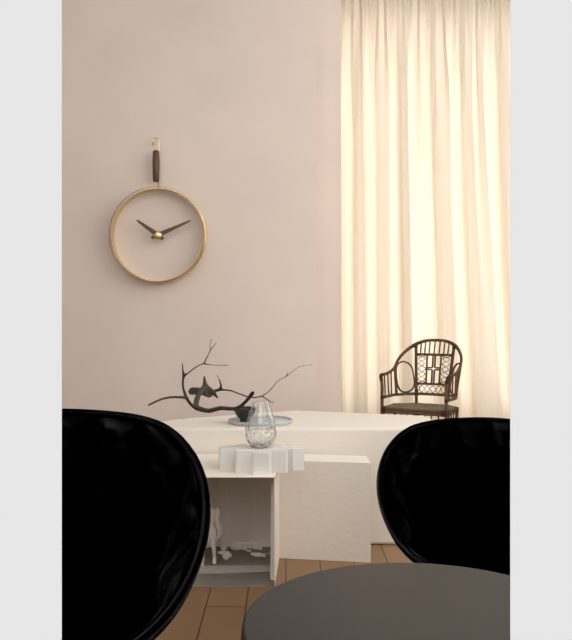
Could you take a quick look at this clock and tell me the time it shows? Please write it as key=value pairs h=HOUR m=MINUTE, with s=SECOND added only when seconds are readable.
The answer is h=10 m=11
